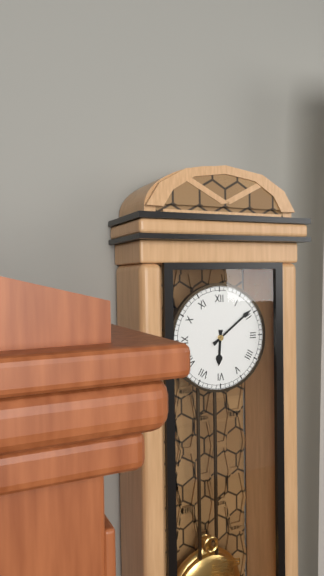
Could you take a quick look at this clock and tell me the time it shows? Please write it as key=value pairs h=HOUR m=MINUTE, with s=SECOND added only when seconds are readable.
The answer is h=6 m=9
